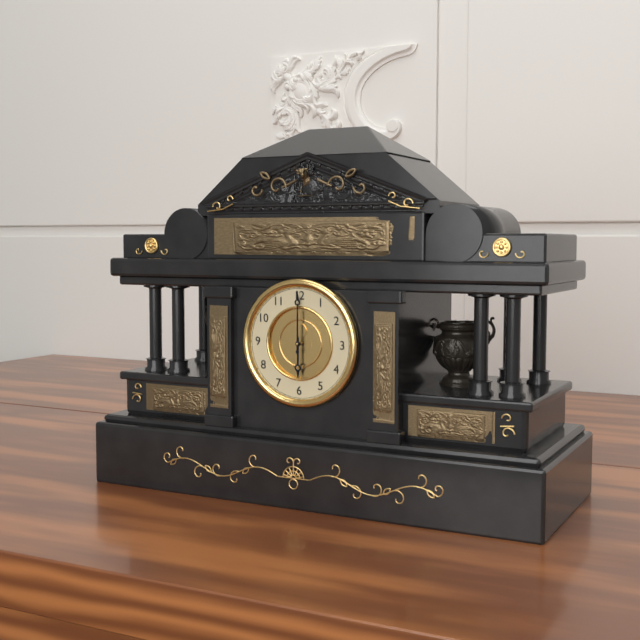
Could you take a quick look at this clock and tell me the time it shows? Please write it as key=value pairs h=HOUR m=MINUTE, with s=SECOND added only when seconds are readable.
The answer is h=6 m=0
